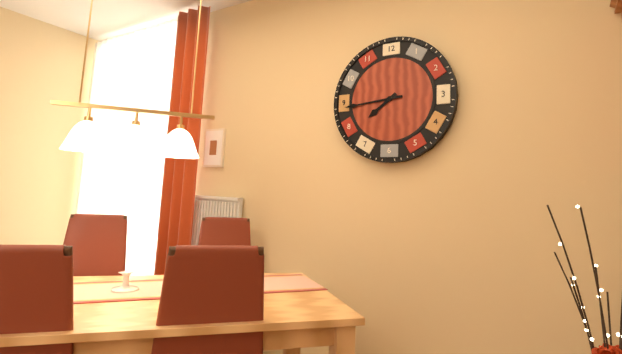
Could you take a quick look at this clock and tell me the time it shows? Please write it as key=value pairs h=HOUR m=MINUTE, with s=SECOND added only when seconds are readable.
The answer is h=7 m=44
